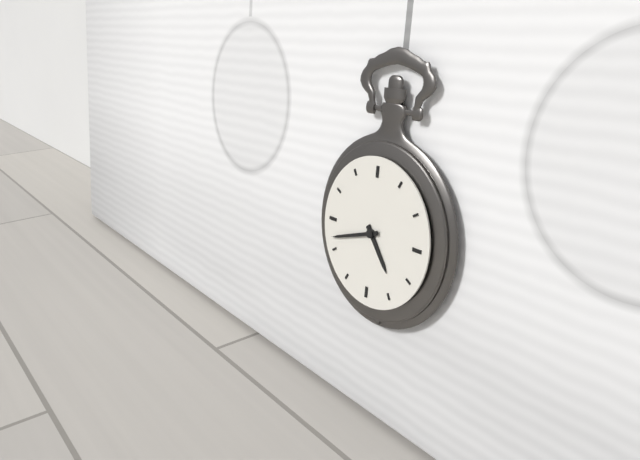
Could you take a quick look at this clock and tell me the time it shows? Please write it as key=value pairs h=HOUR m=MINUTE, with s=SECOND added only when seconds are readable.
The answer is h=4 m=42
